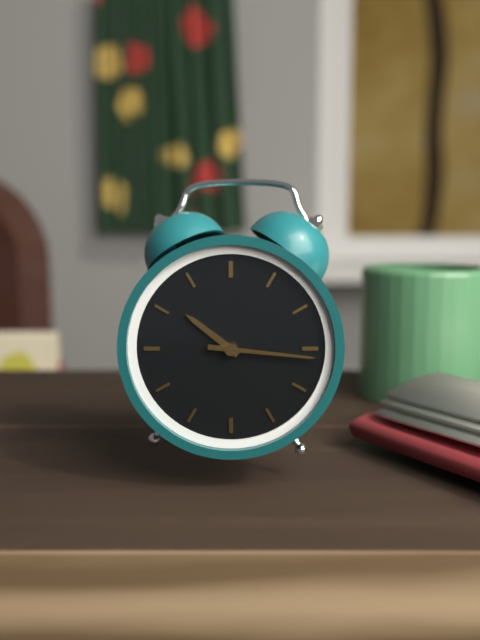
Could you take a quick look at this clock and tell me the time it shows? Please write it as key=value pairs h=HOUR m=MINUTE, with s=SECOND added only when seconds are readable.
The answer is h=10 m=16
